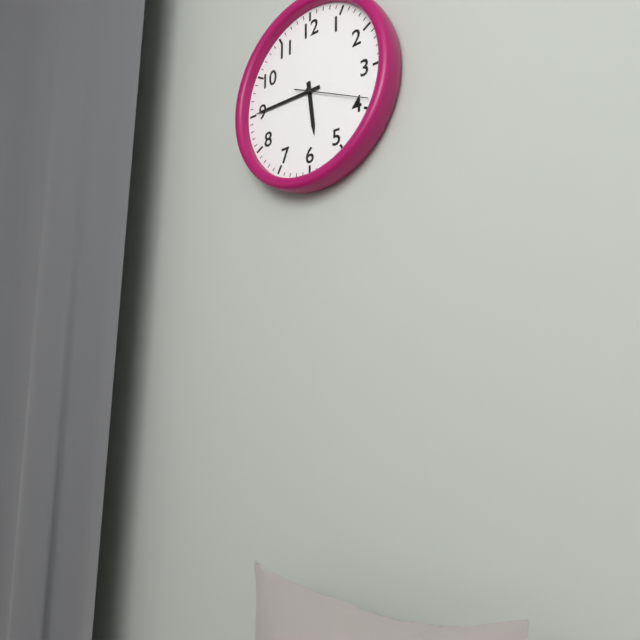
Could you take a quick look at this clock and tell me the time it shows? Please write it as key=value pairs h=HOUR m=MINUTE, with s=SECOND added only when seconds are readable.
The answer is h=5 m=45 s=19
